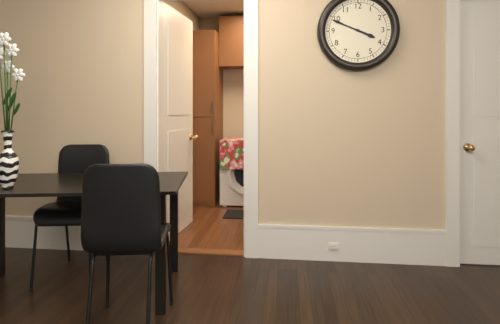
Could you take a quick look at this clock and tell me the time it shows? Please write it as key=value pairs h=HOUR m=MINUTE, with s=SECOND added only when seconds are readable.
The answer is h=3 m=49
